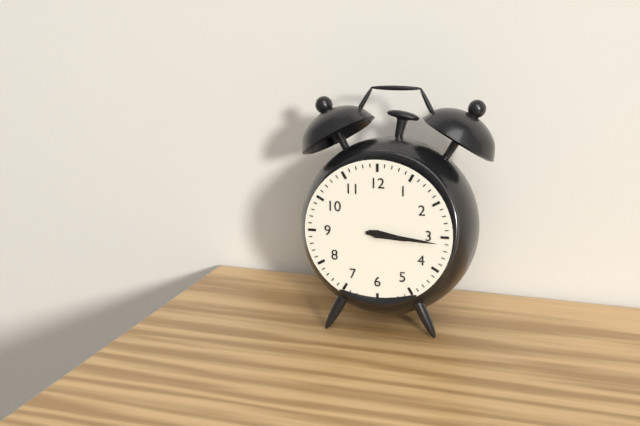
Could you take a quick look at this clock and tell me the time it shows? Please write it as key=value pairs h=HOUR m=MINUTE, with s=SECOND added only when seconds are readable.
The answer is h=3 m=16
